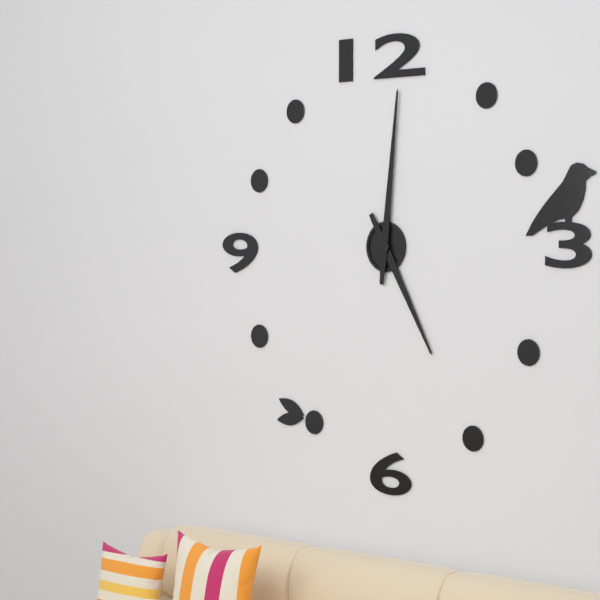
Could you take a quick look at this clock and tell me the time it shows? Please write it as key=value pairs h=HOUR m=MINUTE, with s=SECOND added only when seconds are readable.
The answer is h=5 m=1
